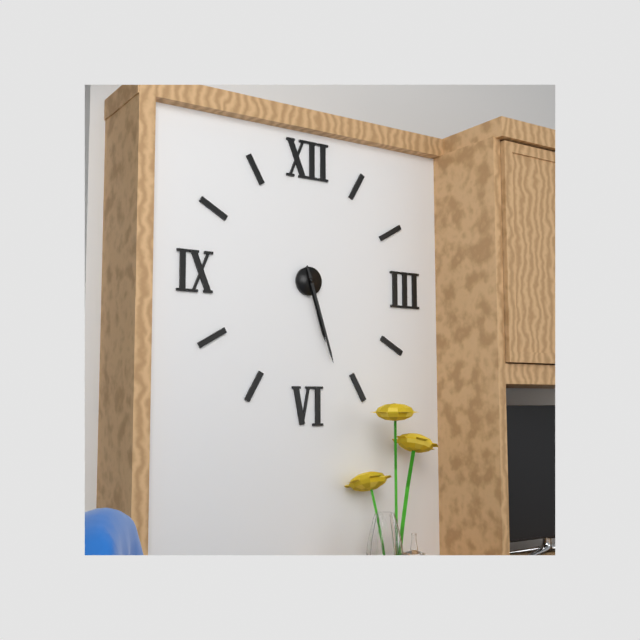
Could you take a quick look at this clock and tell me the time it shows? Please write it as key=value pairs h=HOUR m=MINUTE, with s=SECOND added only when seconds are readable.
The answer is h=5 m=27
